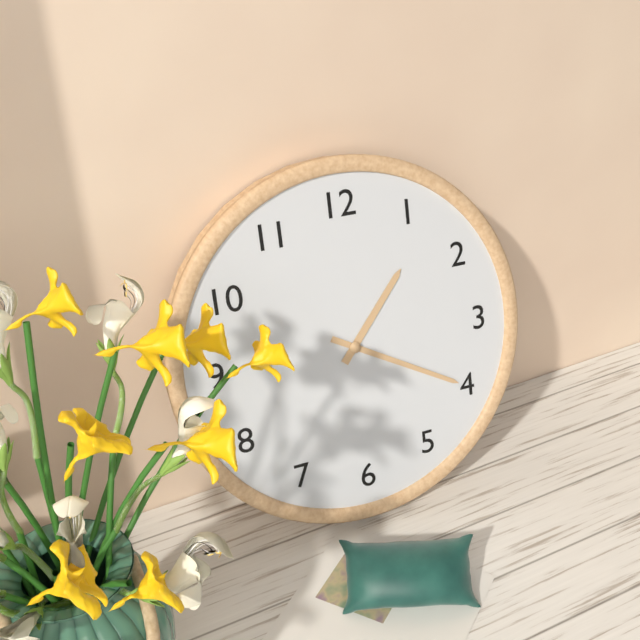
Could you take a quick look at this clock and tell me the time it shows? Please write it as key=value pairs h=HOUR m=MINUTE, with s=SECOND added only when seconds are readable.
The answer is h=1 m=20
